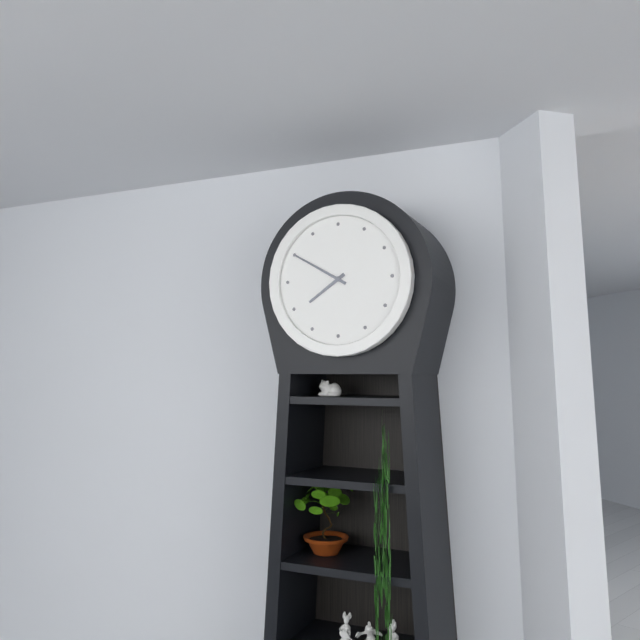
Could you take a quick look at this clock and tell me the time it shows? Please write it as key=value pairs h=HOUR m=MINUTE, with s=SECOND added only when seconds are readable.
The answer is h=7 m=50
